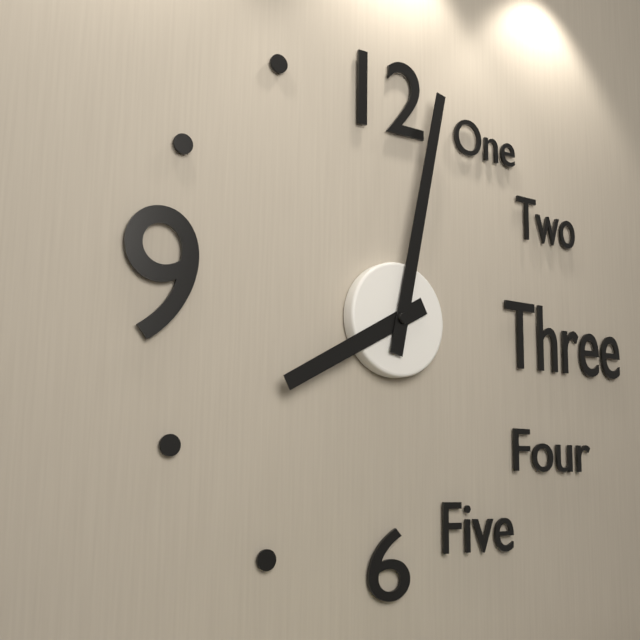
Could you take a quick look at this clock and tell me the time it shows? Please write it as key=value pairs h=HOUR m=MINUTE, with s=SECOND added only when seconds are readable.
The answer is h=8 m=2
